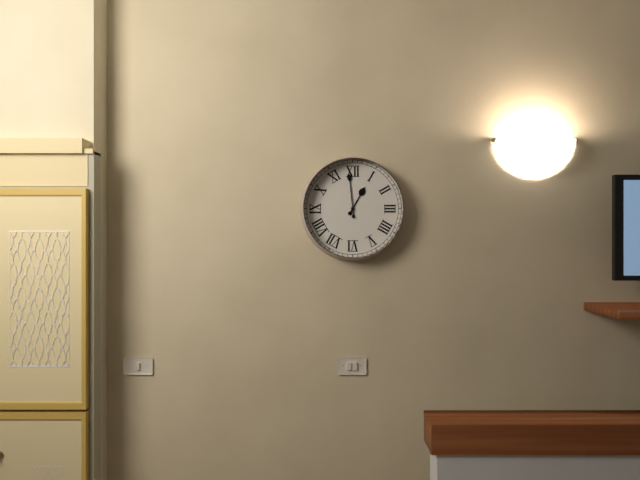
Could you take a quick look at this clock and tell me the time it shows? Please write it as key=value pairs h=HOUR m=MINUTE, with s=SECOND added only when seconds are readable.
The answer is h=12 m=59
